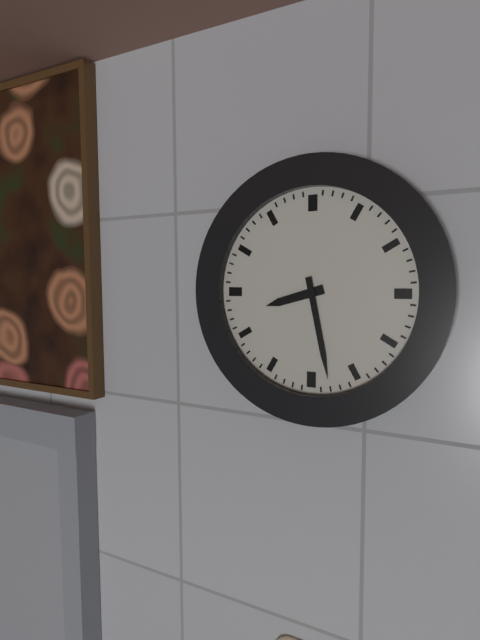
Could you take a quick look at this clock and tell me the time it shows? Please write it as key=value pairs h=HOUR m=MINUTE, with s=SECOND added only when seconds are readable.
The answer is h=8 m=28
